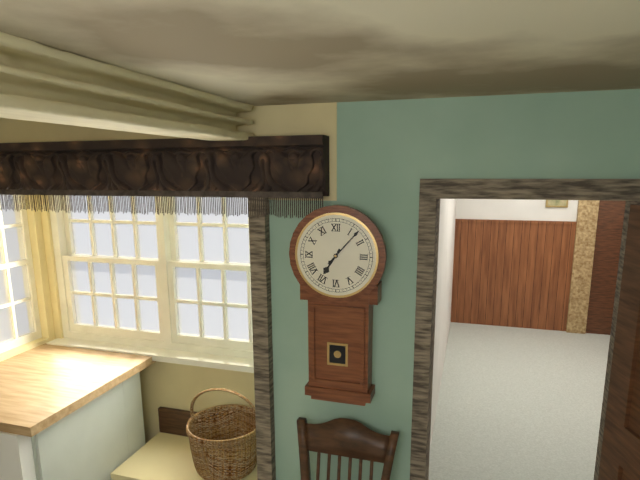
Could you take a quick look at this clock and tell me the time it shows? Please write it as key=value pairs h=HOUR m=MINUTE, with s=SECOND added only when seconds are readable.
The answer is h=7 m=7
